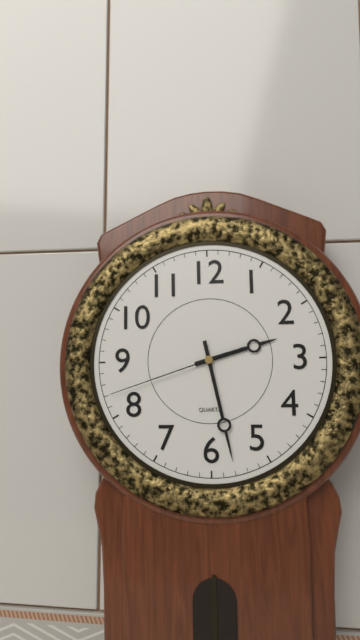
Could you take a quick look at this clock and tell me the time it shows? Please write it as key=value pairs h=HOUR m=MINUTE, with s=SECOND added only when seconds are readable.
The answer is h=2 m=28 s=42
